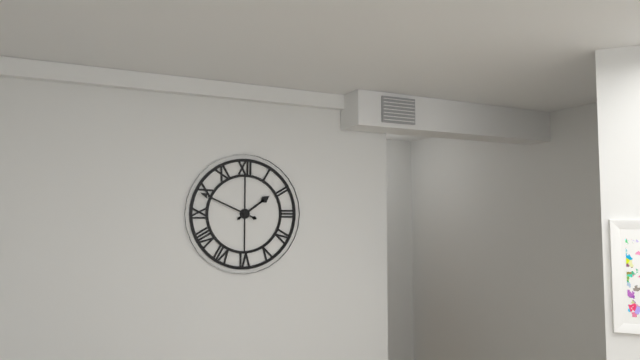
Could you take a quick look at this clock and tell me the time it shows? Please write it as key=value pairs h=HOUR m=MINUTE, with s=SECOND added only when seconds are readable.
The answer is h=1 m=49
